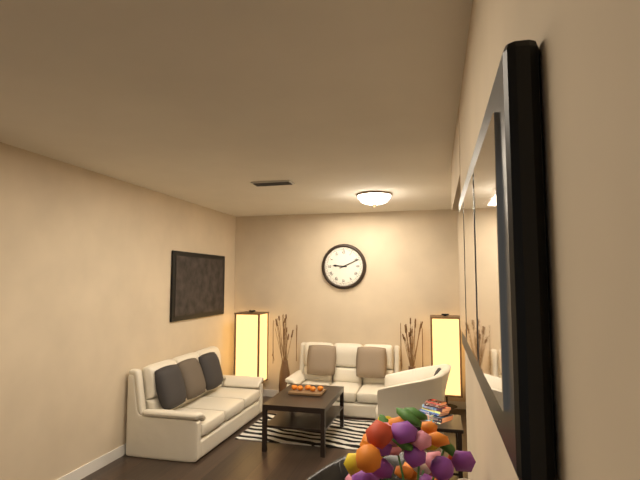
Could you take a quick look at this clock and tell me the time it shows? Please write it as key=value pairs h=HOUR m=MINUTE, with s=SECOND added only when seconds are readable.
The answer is h=9 m=11
